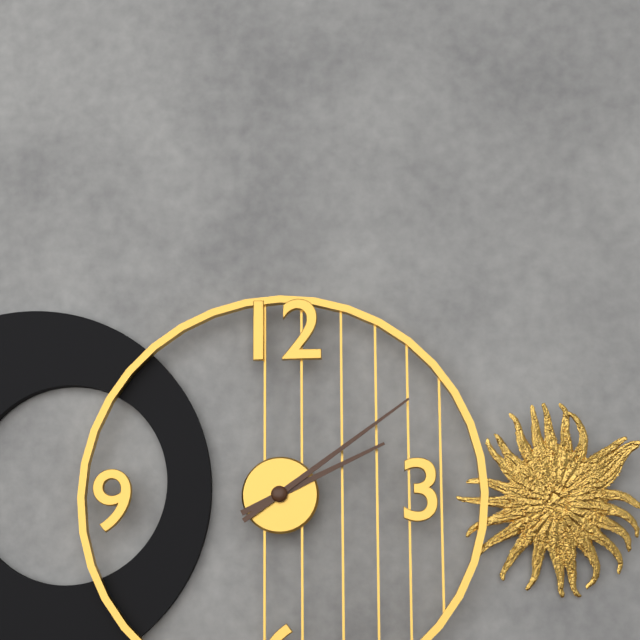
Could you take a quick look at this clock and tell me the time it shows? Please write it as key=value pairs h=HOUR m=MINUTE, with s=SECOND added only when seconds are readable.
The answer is h=2 m=9
